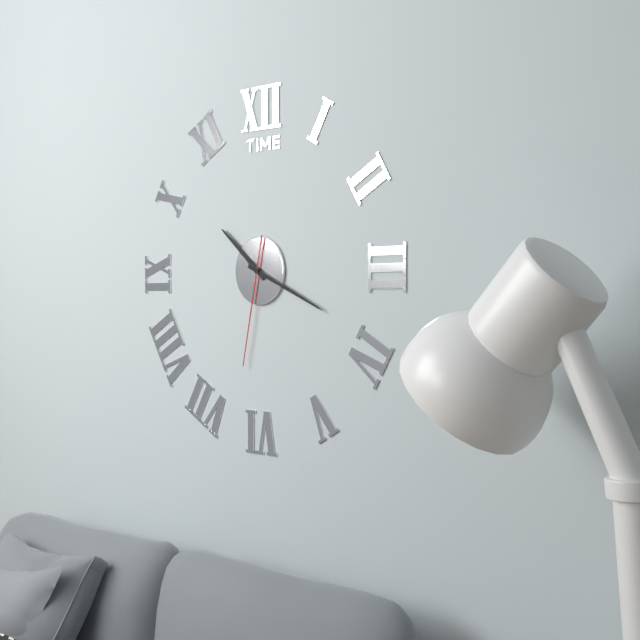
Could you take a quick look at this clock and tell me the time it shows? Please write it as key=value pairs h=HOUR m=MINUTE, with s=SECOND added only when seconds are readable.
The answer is h=10 m=19 s=32
